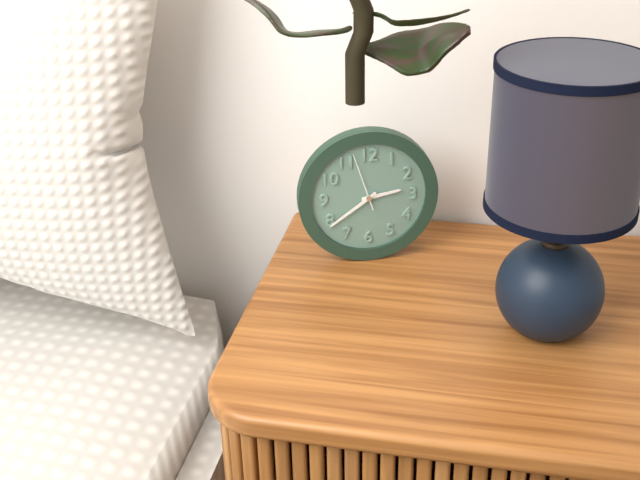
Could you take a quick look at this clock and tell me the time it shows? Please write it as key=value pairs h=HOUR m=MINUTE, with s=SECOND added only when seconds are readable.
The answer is h=2 m=39
